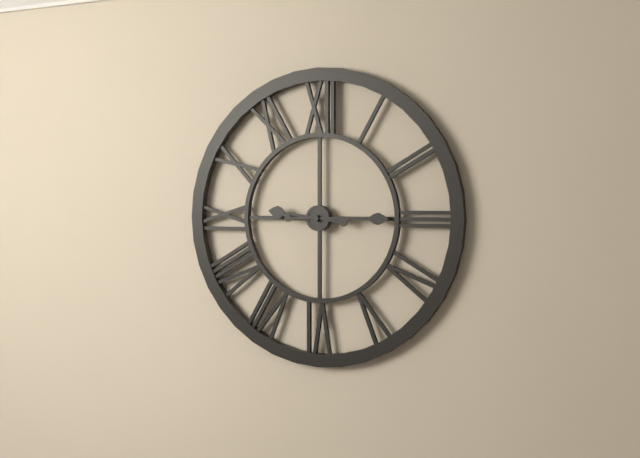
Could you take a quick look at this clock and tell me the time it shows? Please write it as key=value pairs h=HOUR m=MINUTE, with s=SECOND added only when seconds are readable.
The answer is h=9 m=15
